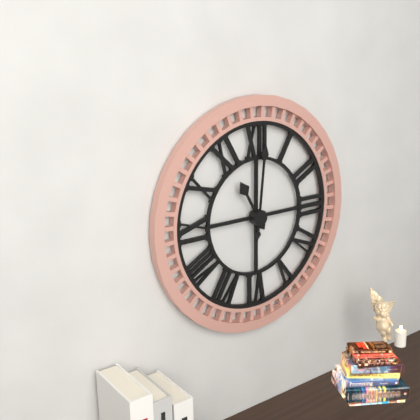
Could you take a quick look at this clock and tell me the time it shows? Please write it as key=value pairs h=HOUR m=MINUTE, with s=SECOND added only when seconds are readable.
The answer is h=11 m=1
